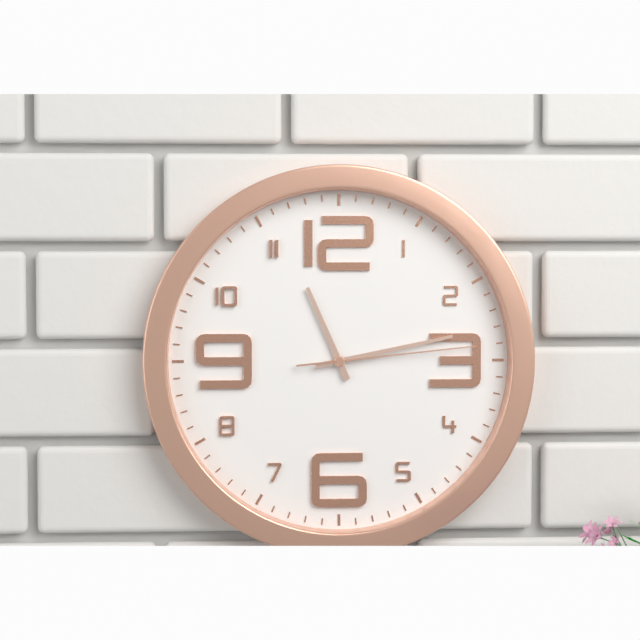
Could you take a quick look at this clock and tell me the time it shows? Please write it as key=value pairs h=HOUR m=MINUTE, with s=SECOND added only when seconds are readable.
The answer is h=11 m=13 s=14
